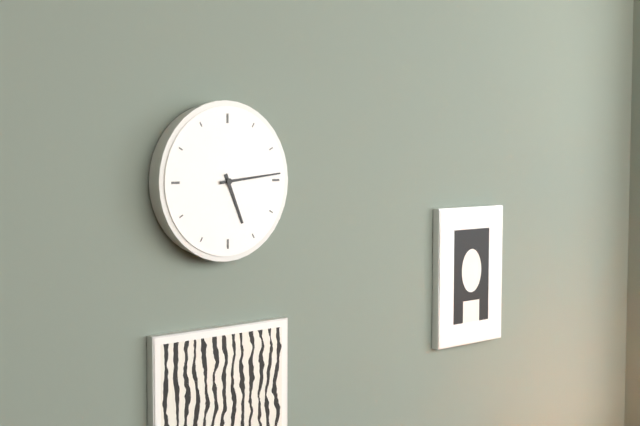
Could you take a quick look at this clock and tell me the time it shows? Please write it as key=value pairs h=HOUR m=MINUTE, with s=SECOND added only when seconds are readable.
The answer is h=5 m=14
